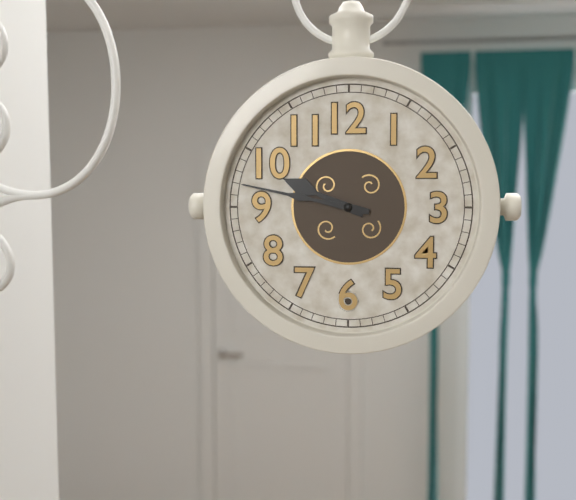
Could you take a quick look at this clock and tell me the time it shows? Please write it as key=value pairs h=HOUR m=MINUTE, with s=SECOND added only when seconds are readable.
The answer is h=9 m=47
